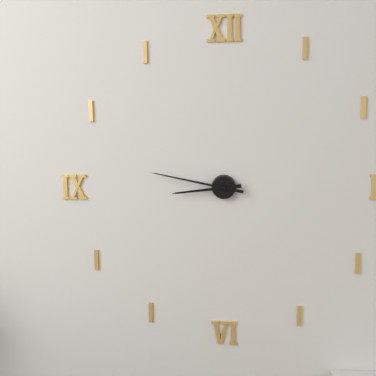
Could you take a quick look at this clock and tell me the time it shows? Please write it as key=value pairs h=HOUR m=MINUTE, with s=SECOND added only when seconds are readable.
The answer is h=8 m=47
